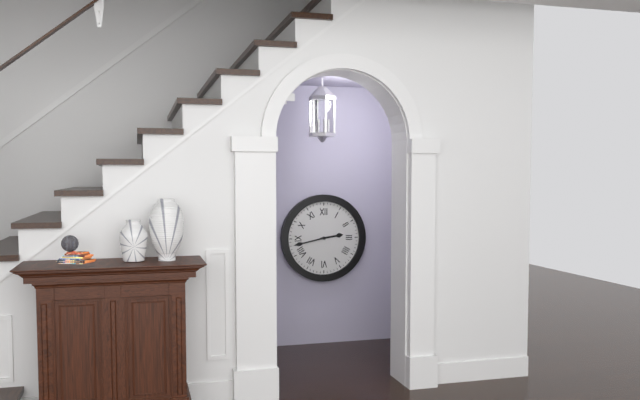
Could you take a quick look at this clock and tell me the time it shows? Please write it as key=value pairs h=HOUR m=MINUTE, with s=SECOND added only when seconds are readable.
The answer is h=2 m=43
